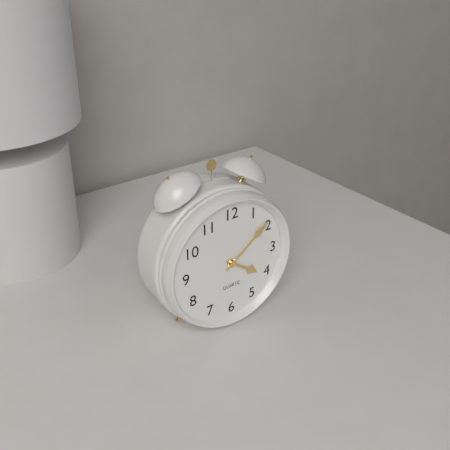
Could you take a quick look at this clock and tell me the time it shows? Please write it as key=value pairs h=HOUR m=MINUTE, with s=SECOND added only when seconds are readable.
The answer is h=4 m=9
